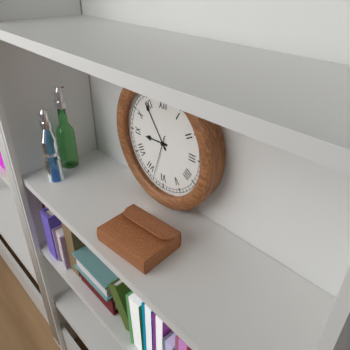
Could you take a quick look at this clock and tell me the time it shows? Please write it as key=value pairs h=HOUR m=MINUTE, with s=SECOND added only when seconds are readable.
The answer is h=8 m=54
